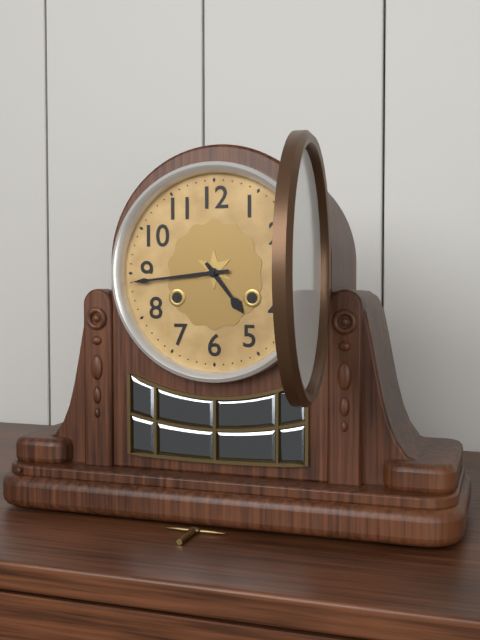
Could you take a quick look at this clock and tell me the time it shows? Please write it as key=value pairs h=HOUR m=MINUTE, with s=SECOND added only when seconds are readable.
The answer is h=4 m=44
